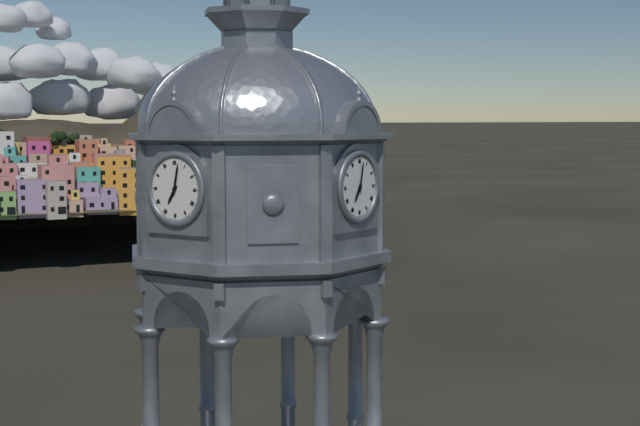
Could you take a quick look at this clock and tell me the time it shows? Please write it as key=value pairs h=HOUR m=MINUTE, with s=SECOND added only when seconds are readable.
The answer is h=7 m=2
